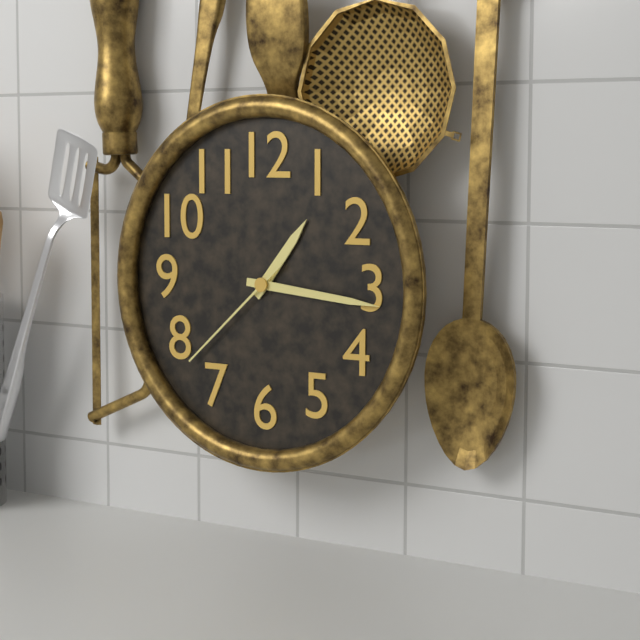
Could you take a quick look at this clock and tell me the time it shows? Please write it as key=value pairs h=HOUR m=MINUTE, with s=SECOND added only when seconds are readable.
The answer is h=1 m=16 s=38
